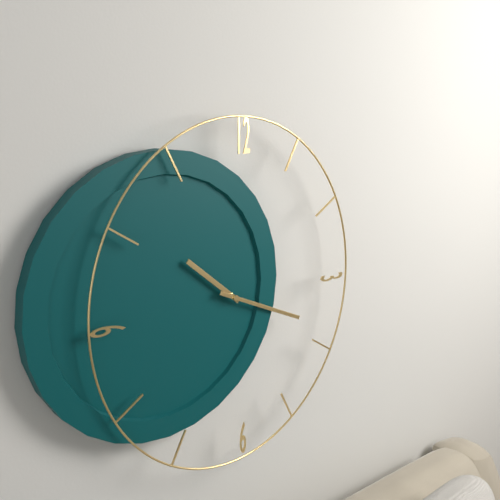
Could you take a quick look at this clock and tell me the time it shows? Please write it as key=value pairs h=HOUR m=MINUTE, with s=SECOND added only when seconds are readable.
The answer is h=10 m=19
